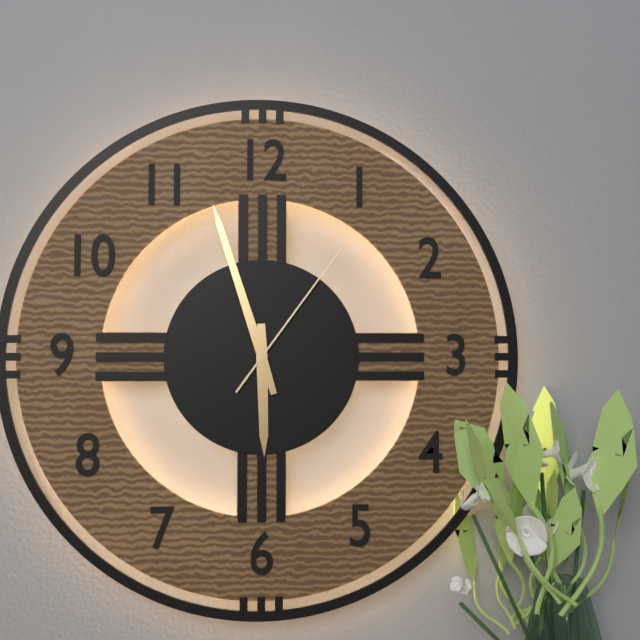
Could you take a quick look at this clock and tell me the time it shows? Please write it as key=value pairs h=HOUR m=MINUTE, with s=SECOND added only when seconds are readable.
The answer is h=5 m=57 s=6
